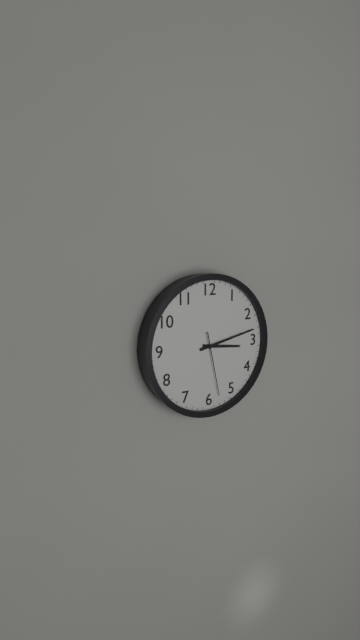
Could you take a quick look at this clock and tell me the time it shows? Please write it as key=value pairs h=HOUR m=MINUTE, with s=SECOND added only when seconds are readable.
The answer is h=3 m=13 s=28
